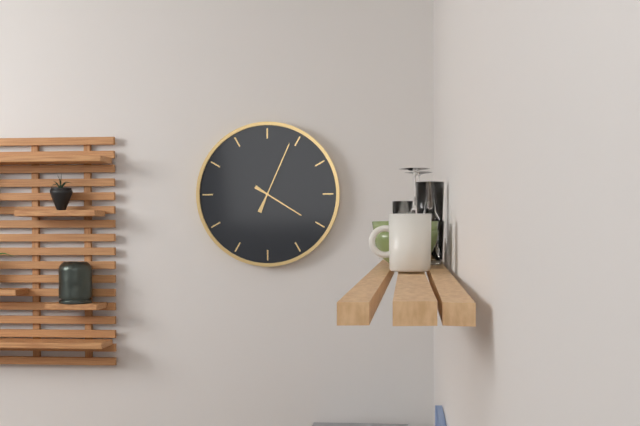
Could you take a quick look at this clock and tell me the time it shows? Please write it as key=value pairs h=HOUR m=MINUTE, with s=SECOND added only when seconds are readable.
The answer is h=4 m=4
